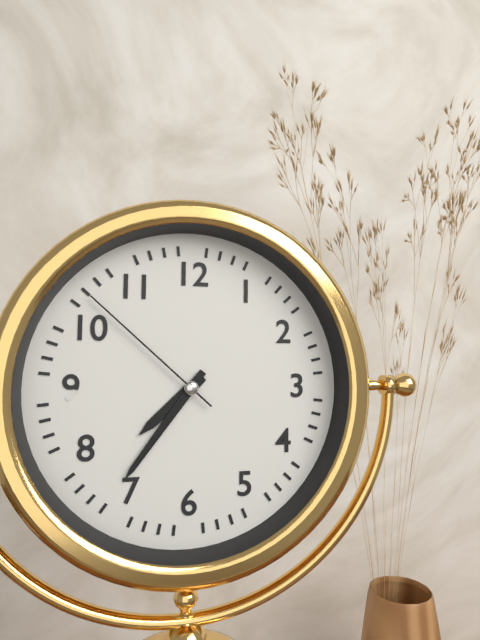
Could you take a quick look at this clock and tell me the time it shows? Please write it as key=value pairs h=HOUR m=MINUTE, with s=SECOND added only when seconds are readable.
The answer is h=7 m=36 s=52
